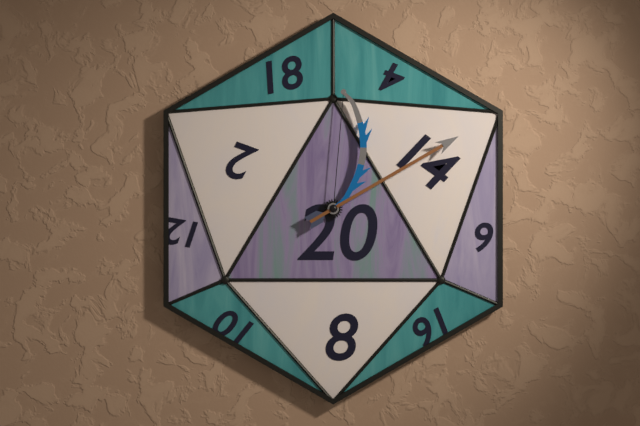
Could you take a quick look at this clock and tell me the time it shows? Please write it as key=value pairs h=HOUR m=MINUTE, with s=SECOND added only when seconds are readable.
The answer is h=12 m=10
